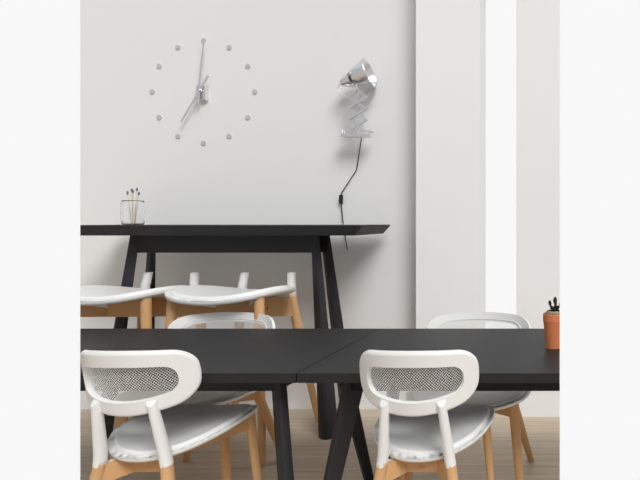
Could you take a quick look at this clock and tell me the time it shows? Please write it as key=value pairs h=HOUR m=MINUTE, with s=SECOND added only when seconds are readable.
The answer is h=7 m=1
